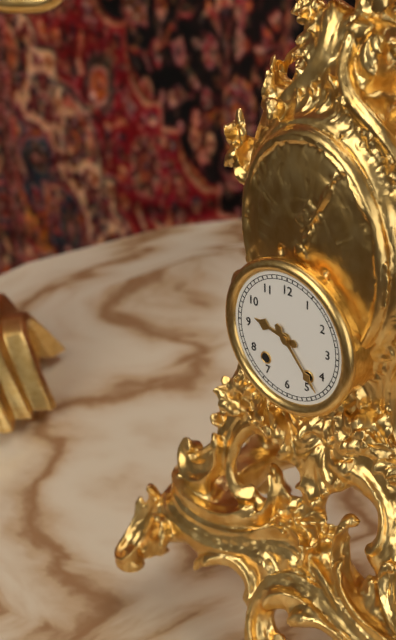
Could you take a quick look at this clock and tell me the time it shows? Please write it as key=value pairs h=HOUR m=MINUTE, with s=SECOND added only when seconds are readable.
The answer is h=9 m=23
